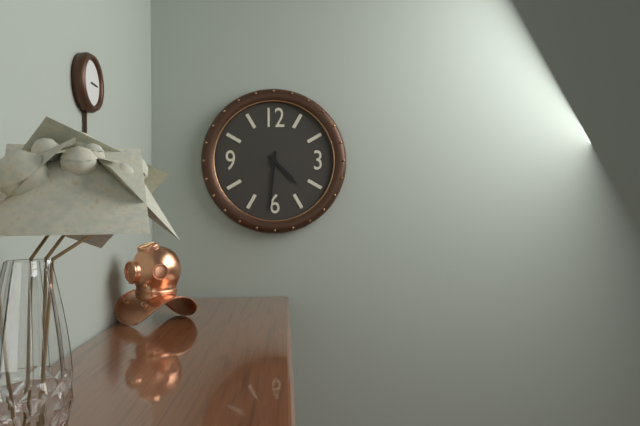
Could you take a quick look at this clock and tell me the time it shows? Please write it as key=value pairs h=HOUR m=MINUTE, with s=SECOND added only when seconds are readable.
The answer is h=4 m=31
